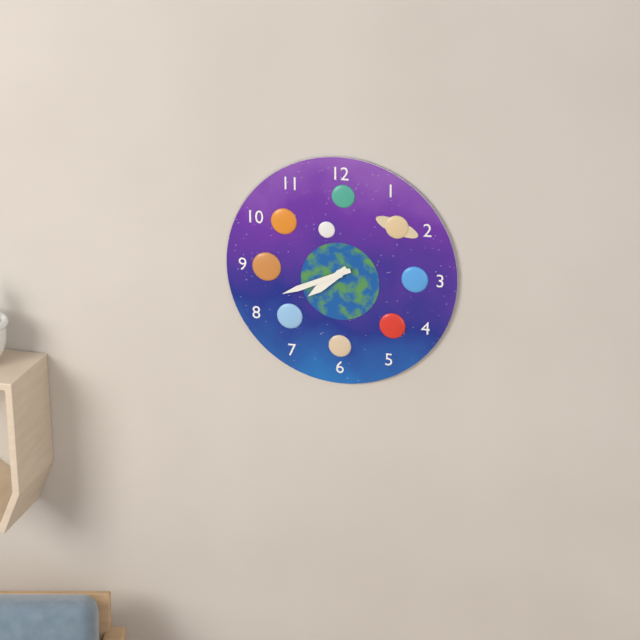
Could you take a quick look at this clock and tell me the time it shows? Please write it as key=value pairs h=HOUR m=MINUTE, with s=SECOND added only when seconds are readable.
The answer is h=7 m=41
